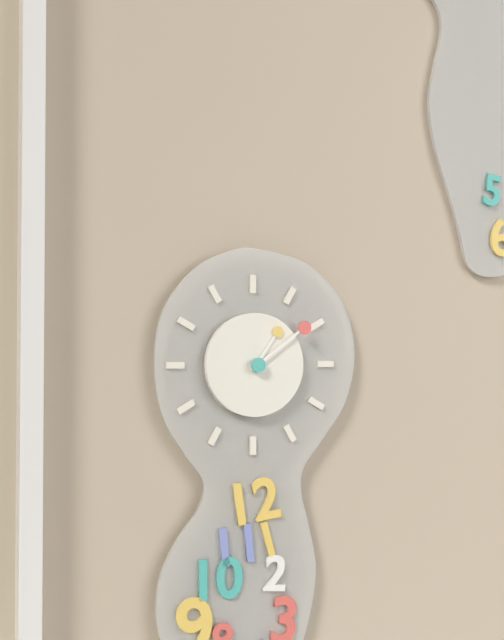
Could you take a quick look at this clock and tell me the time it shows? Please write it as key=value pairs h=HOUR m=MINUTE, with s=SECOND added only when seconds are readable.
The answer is h=1 m=9
